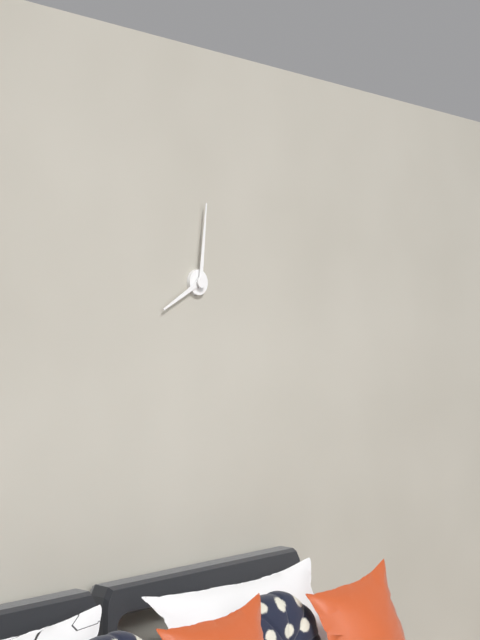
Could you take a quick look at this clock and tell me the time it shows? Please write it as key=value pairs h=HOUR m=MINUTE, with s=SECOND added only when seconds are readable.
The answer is h=8 m=1
